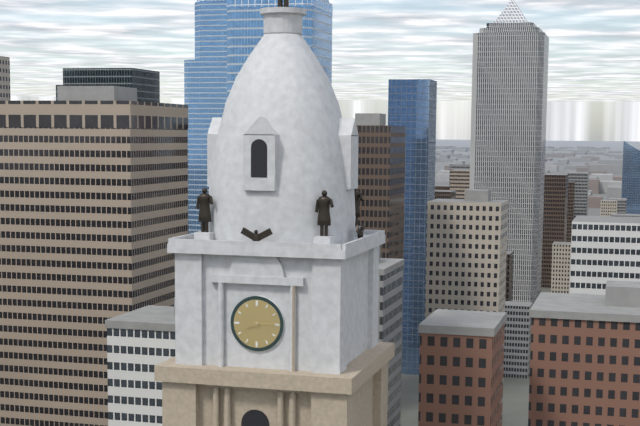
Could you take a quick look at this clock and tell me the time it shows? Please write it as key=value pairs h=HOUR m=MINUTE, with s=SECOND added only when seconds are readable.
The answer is h=8 m=15
